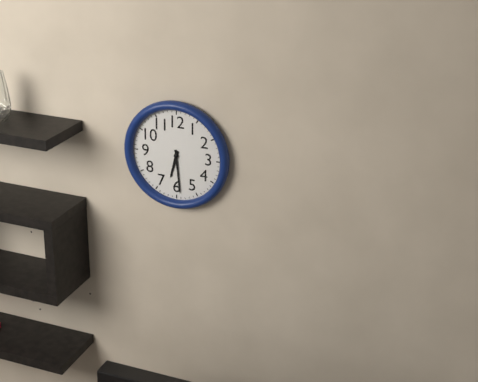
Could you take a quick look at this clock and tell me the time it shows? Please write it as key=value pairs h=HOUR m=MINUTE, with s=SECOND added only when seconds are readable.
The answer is h=6 m=29
